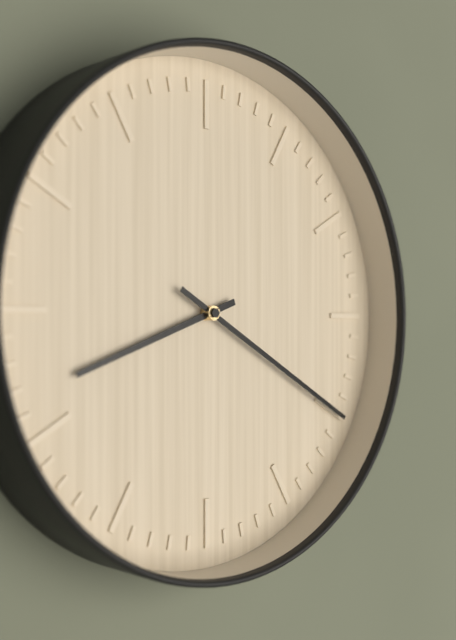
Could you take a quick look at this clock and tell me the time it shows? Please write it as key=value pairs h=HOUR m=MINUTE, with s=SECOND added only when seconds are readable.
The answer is h=8 m=20
